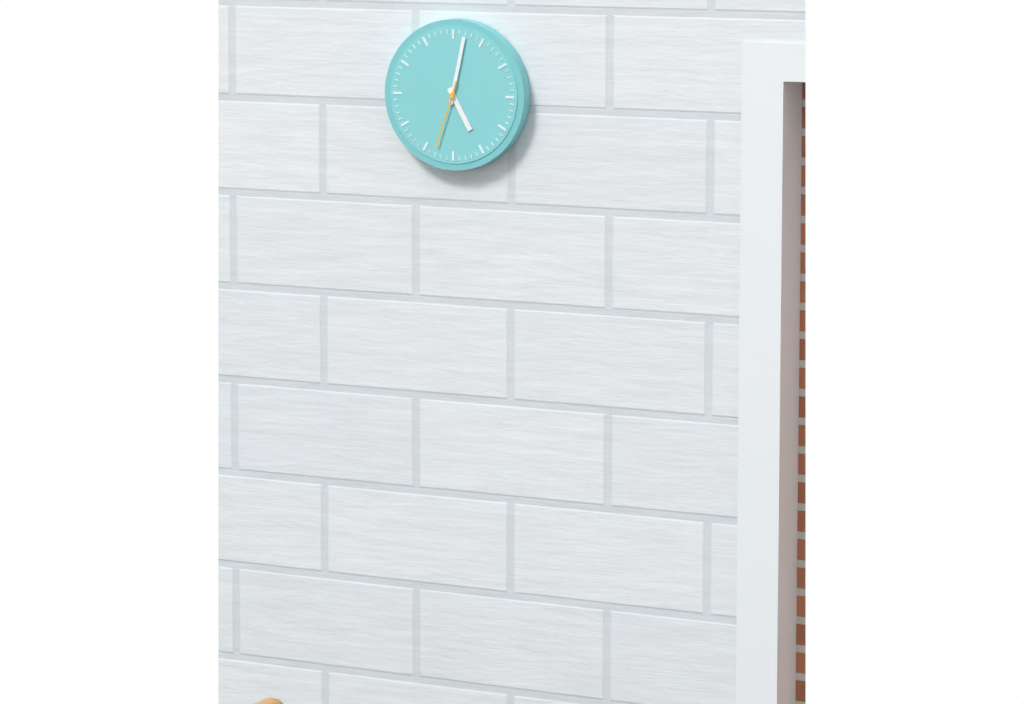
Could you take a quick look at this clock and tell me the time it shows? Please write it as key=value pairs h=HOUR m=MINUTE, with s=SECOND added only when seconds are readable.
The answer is h=5 m=2 s=33
